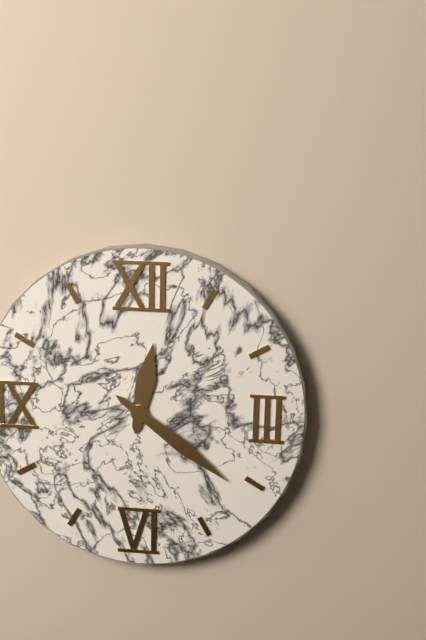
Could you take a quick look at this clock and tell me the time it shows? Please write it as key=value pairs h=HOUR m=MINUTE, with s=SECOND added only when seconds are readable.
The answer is h=12 m=21
